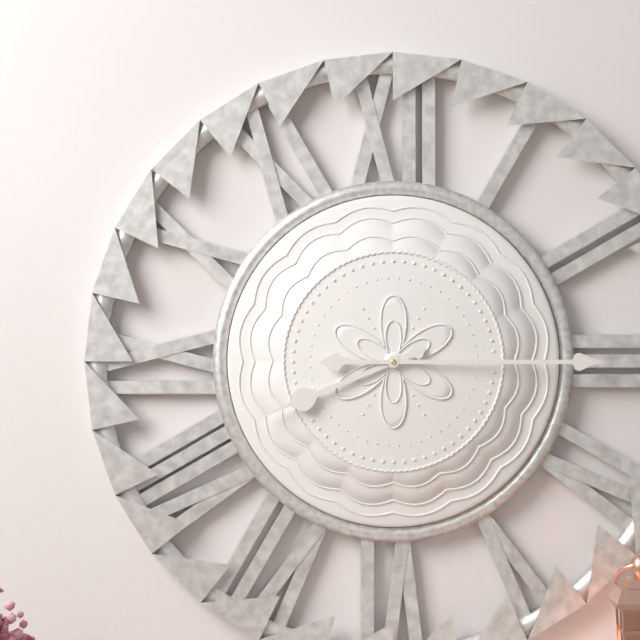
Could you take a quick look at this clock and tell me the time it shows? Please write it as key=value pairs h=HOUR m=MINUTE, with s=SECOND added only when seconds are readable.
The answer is h=8 m=15
